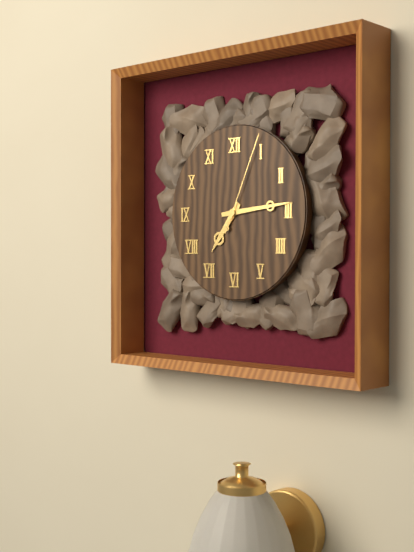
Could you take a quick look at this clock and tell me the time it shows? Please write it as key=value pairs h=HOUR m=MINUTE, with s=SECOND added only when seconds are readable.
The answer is h=7 m=14 s=4
